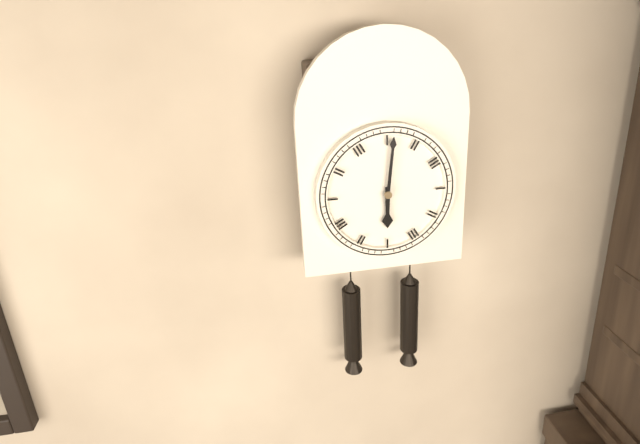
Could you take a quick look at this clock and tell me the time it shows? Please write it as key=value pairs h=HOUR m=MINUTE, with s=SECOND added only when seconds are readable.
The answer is h=6 m=1
